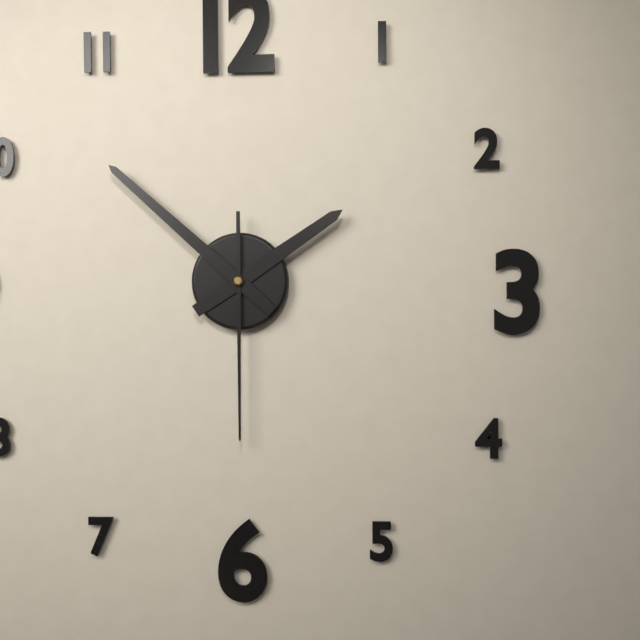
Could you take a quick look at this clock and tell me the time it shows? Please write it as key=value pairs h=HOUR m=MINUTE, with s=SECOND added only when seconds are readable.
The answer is h=1 m=52 s=30
